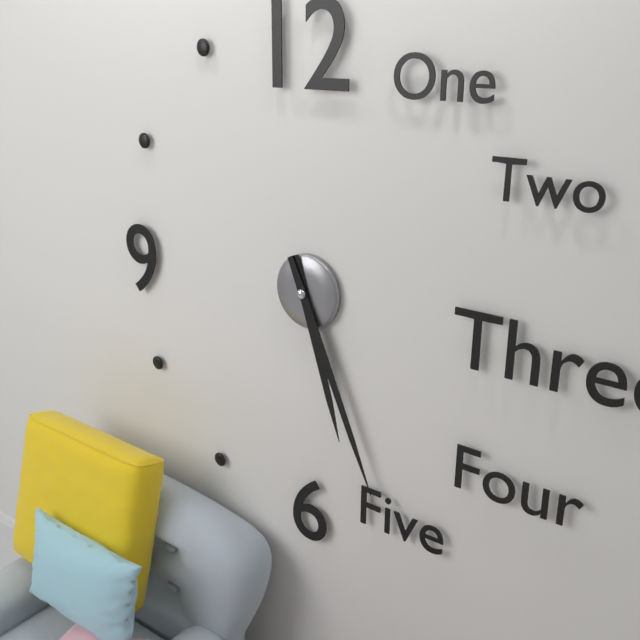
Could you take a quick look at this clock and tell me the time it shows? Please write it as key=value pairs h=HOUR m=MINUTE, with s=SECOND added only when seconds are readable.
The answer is h=5 m=26
